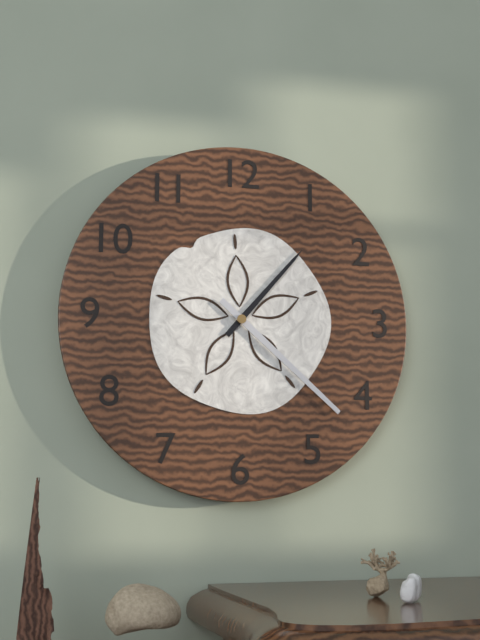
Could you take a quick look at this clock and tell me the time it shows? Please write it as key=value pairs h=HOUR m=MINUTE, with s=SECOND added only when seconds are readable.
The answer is h=1 m=22
